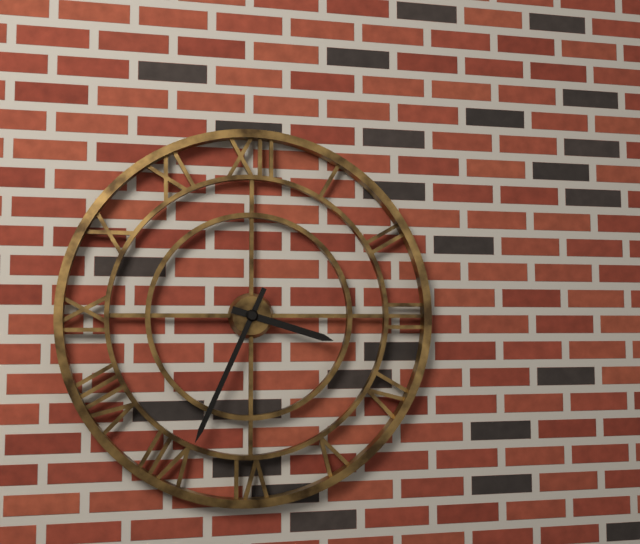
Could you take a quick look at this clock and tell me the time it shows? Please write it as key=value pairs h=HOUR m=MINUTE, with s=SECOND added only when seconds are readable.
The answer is h=3 m=34
